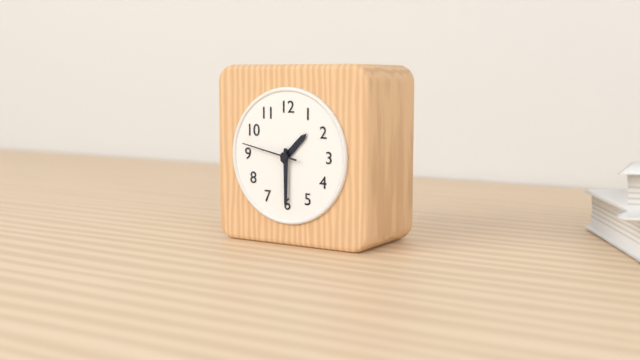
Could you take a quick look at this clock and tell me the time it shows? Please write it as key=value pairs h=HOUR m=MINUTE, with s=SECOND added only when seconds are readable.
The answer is h=1 m=30 s=47
